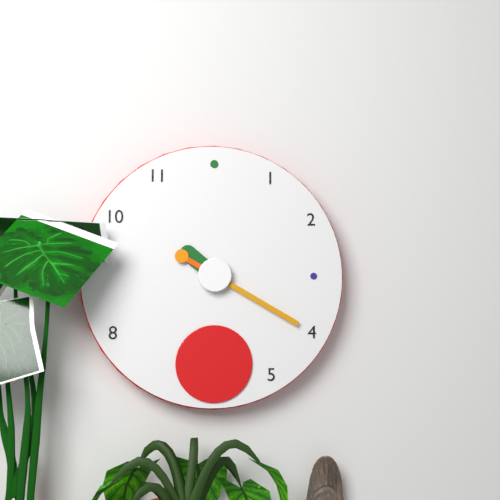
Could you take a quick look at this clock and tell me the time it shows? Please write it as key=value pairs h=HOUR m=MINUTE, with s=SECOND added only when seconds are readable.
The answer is h=10 m=20
